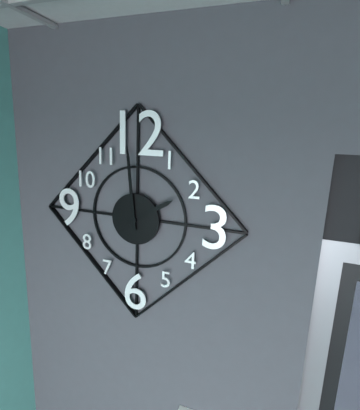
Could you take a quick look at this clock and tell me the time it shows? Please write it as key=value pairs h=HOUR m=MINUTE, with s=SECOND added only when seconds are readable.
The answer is h=1 m=59
